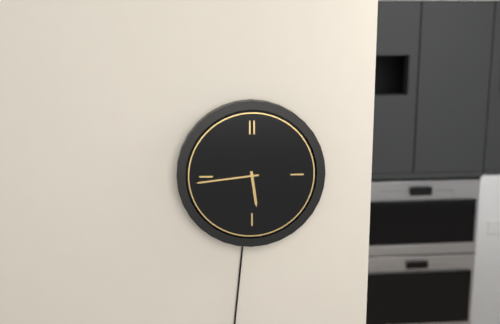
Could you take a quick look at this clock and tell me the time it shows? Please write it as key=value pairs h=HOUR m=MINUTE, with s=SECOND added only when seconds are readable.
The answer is h=5 m=44
